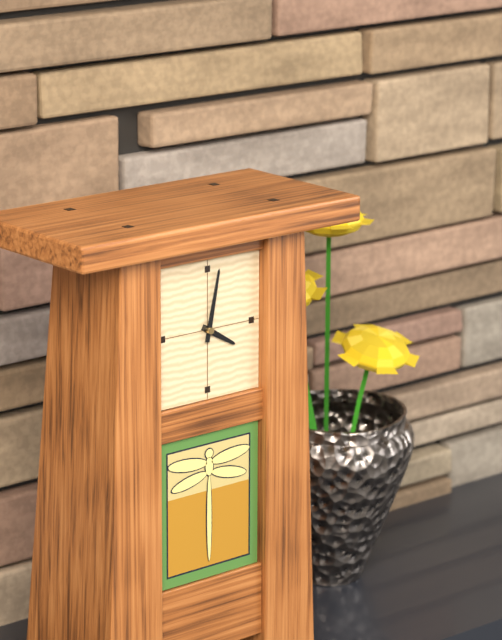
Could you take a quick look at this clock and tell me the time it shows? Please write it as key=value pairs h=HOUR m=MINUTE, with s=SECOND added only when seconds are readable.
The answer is h=4 m=2
